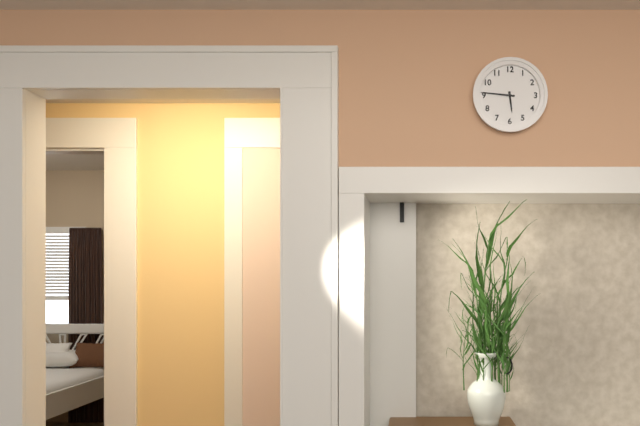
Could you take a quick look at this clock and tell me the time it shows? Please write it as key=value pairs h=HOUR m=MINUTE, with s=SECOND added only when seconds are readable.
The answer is h=5 m=46
